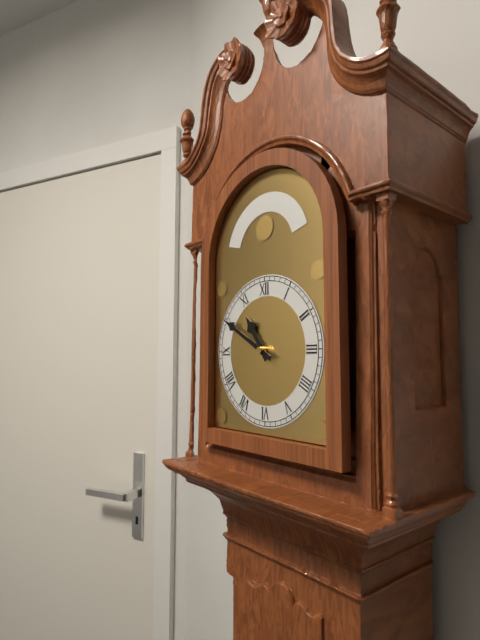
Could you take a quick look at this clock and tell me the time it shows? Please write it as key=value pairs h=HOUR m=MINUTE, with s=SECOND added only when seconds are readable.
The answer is h=10 m=50
